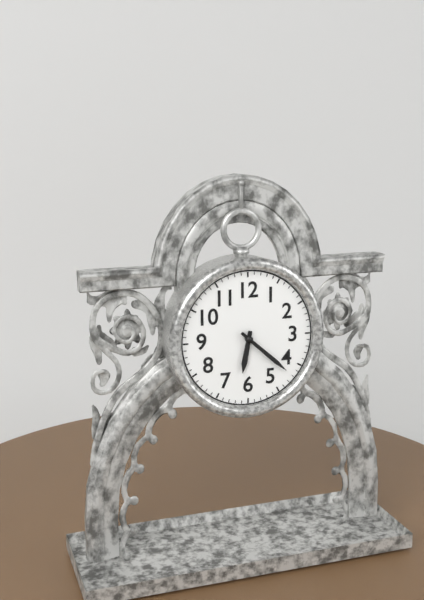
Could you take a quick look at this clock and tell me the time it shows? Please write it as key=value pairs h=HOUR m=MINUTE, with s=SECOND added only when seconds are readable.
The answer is h=6 m=22
